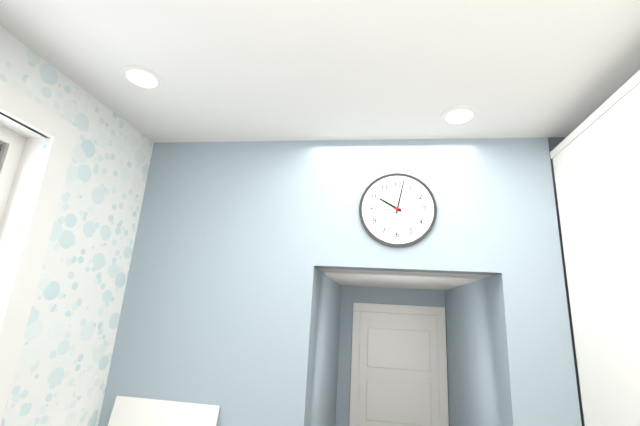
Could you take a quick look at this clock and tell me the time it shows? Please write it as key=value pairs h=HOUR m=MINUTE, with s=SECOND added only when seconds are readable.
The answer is h=10 m=2
